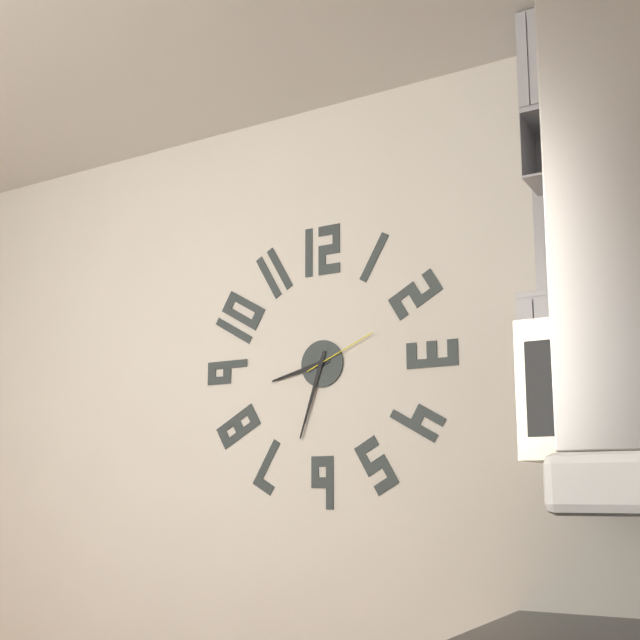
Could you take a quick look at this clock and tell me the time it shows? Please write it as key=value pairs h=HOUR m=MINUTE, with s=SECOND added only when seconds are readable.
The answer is h=8 m=33 s=11
